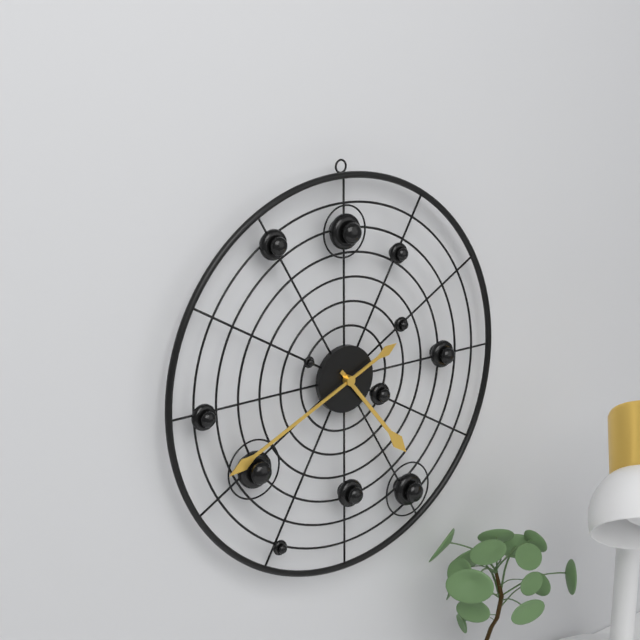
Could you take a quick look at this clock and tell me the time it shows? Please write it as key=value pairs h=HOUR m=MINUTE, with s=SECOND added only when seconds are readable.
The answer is h=4 m=41
